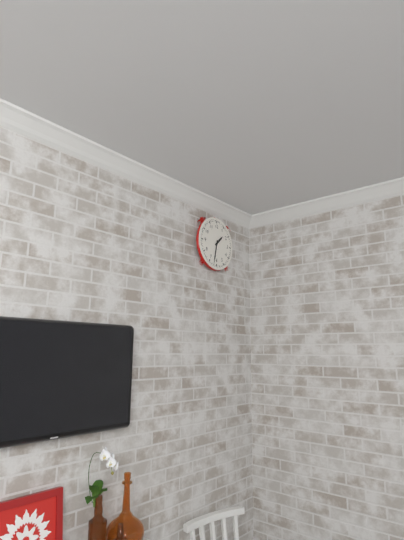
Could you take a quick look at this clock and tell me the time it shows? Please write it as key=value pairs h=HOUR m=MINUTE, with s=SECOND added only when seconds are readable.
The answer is h=1 m=32
